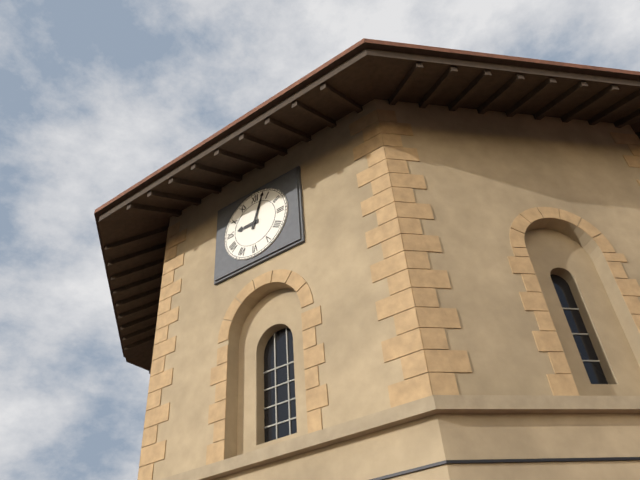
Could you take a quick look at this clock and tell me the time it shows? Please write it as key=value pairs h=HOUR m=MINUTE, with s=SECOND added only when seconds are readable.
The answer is h=9 m=3
